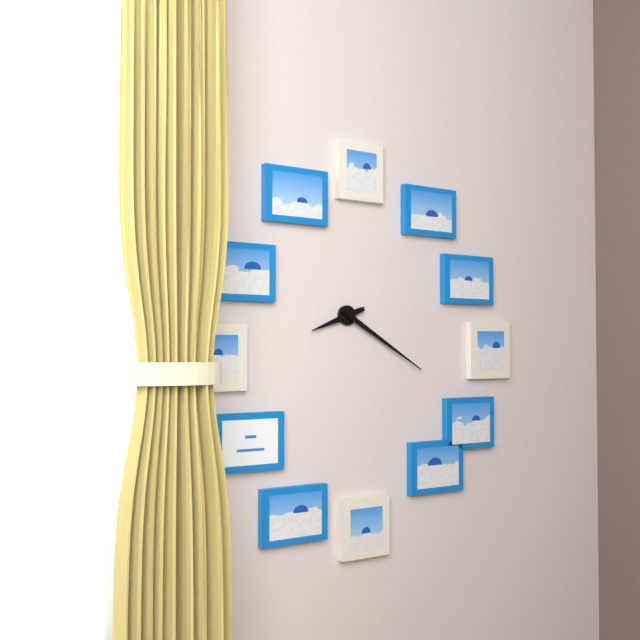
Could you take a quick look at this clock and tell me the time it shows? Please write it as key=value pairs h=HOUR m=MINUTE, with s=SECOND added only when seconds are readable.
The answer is h=8 m=20
